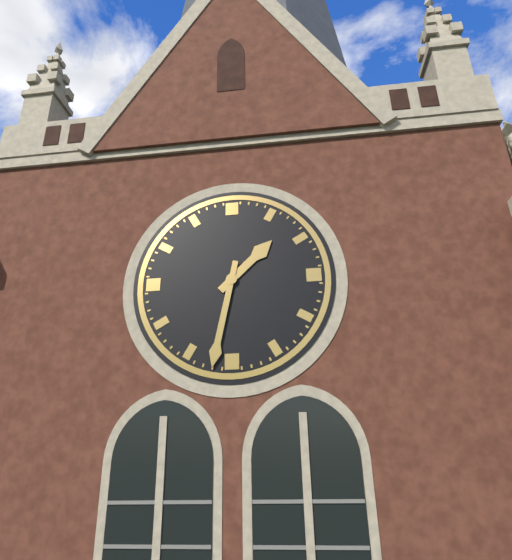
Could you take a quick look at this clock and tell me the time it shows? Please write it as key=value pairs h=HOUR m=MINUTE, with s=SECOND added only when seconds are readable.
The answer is h=1 m=32
